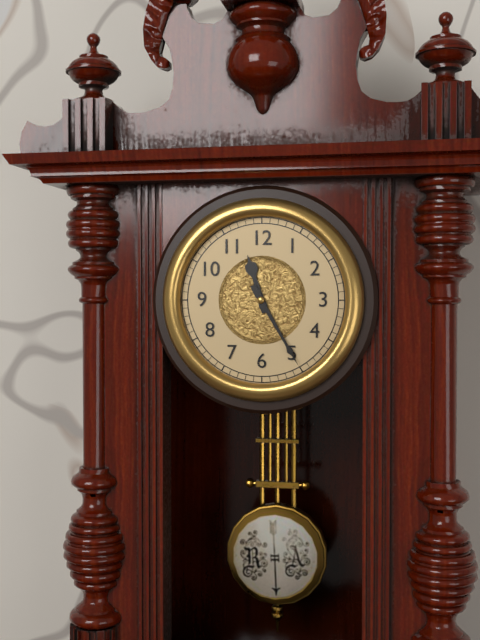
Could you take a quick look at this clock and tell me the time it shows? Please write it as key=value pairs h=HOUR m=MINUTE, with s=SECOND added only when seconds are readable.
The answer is h=11 m=25
